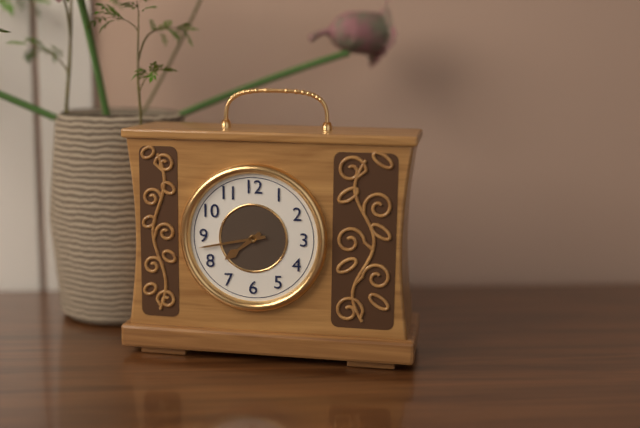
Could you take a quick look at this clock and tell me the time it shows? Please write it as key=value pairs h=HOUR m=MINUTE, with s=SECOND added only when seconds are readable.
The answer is h=7 m=43
